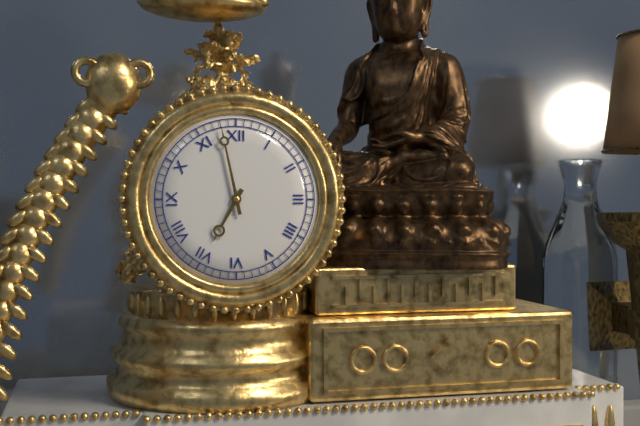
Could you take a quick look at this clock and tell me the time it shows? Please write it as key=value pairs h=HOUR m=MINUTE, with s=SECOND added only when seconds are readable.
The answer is h=6 m=58
